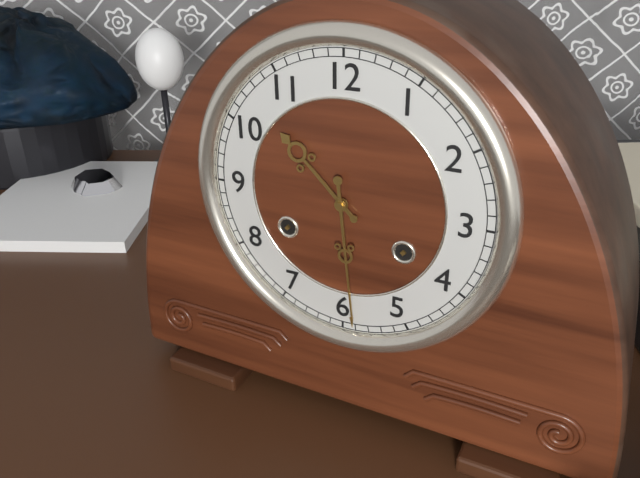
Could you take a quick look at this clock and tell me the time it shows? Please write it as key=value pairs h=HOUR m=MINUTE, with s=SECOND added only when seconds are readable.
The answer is h=10 m=29
